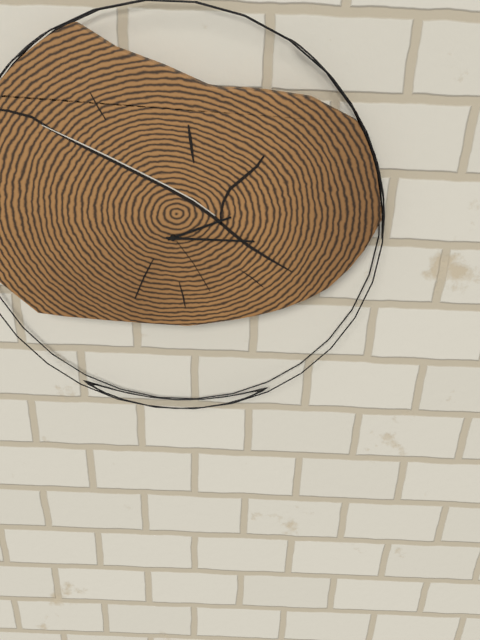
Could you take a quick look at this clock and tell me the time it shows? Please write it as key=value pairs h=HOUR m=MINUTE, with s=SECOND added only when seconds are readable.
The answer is h=2 m=15
